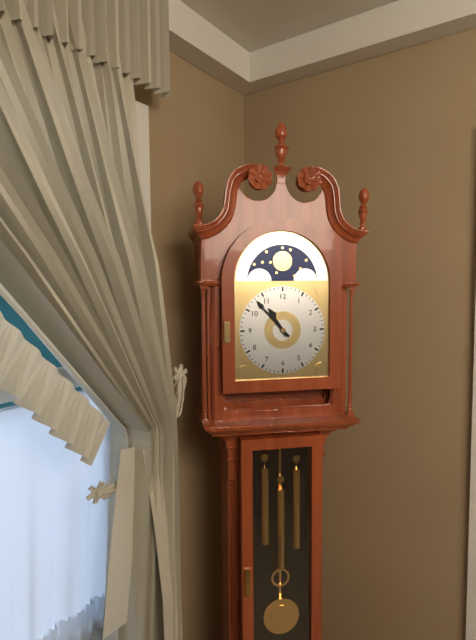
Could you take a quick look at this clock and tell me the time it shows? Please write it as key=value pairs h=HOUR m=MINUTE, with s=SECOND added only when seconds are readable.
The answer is h=10 m=53
